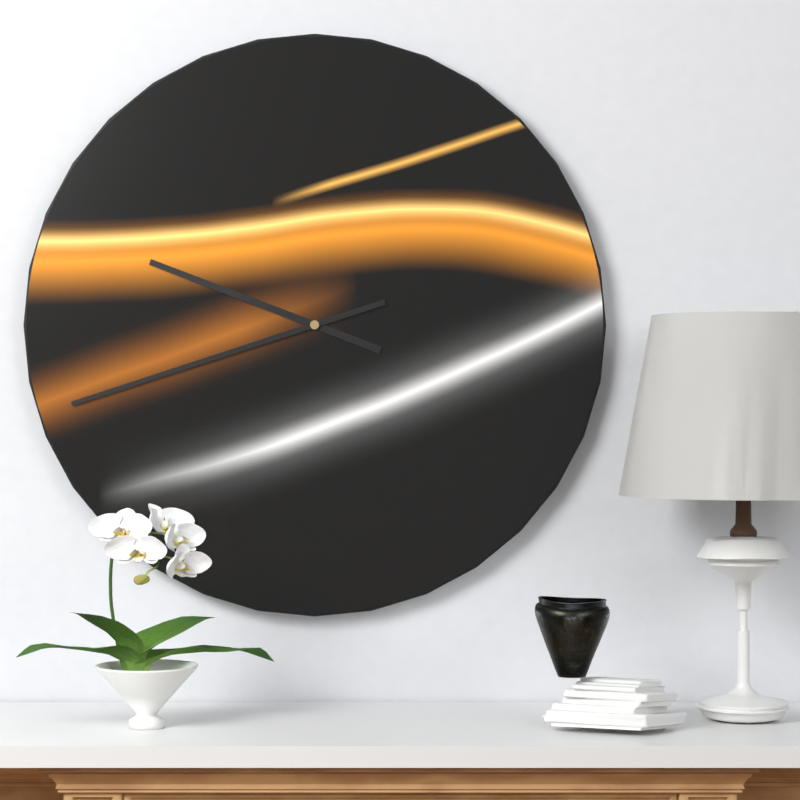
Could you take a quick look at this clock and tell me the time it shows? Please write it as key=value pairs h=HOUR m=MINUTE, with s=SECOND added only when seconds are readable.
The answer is h=9 m=42
